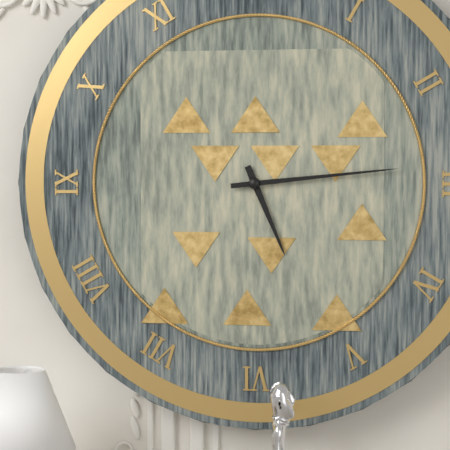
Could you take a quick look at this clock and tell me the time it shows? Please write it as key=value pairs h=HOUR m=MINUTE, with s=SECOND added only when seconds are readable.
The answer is h=5 m=14
